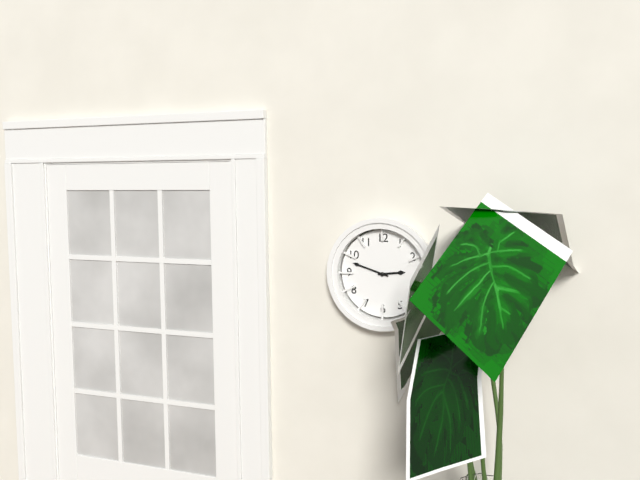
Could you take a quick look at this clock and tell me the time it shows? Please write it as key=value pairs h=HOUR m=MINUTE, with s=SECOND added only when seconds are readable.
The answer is h=2 m=48
